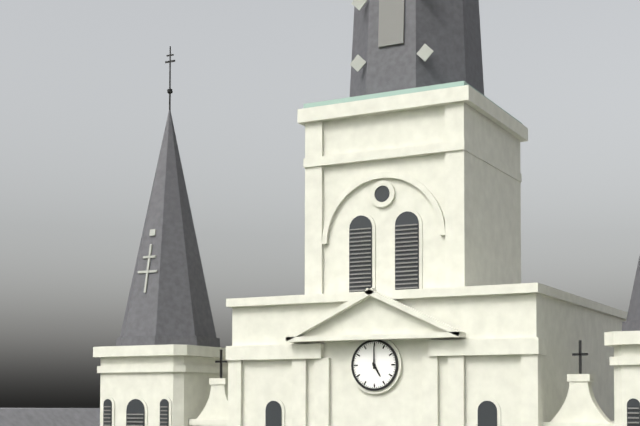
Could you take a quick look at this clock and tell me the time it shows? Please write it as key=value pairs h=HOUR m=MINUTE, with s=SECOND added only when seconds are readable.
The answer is h=5 m=0
